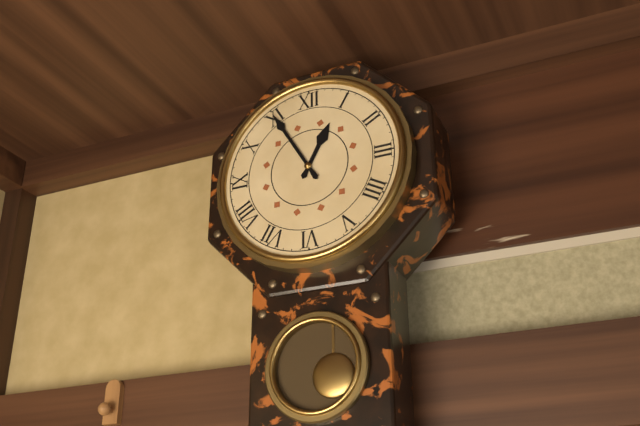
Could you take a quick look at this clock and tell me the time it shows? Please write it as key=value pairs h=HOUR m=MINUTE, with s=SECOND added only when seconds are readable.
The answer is h=12 m=55
